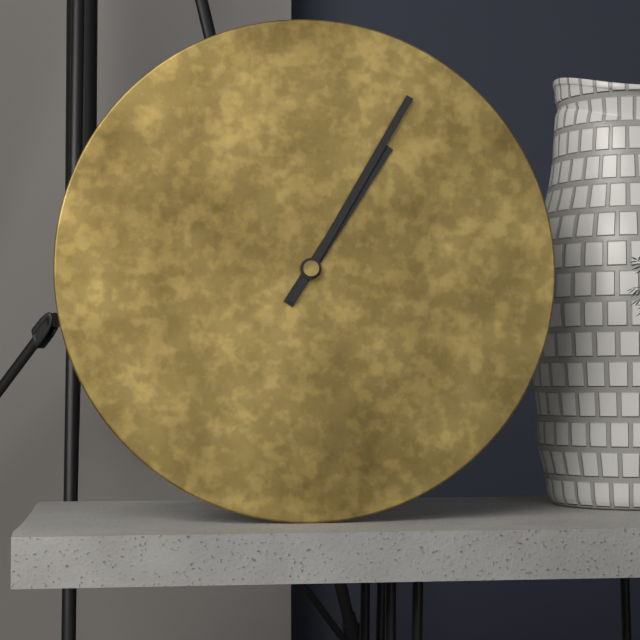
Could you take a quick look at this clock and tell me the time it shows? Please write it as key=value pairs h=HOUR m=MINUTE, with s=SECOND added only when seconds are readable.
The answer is h=1 m=5
